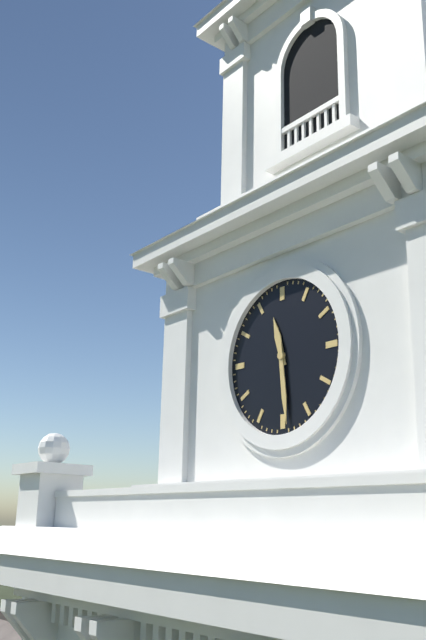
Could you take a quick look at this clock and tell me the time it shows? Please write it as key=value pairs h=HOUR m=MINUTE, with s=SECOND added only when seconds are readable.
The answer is h=11 m=29
